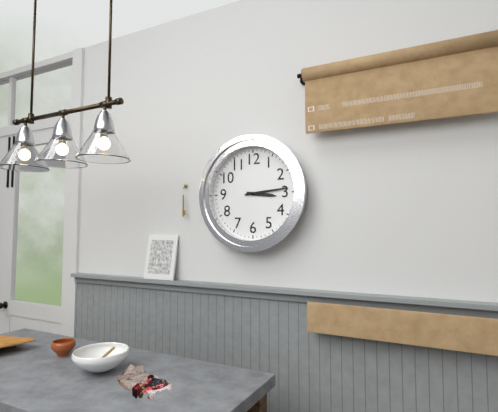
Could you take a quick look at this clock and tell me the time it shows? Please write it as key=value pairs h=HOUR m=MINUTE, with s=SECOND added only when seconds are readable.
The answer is h=3 m=14
